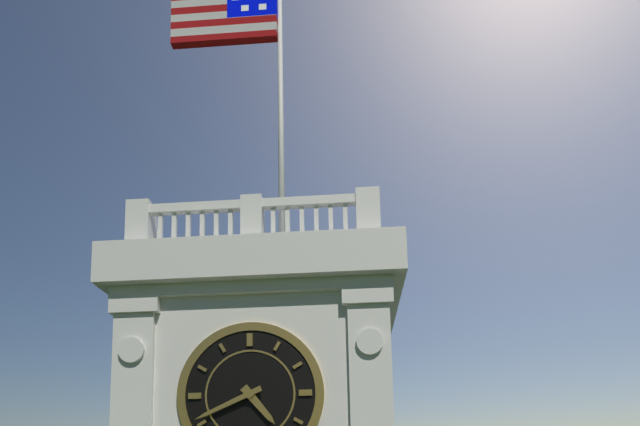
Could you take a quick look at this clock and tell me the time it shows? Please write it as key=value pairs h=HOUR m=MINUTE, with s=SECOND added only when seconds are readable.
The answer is h=4 m=41
